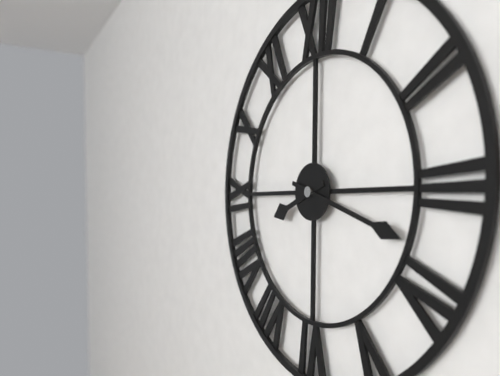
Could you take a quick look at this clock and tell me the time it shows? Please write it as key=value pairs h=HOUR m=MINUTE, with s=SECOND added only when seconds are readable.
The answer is h=8 m=18
